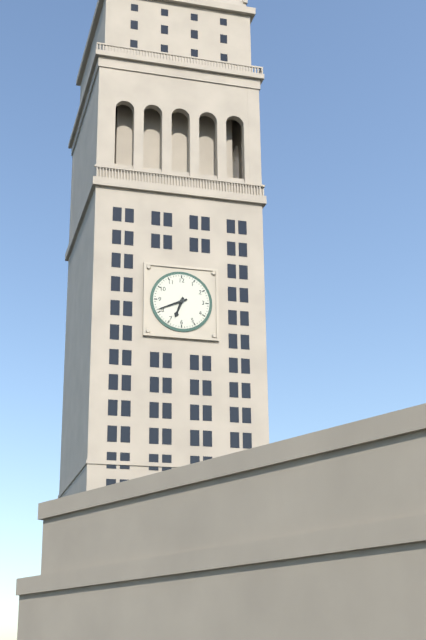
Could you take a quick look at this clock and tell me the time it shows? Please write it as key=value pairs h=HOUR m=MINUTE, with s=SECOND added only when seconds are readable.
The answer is h=6 m=41
